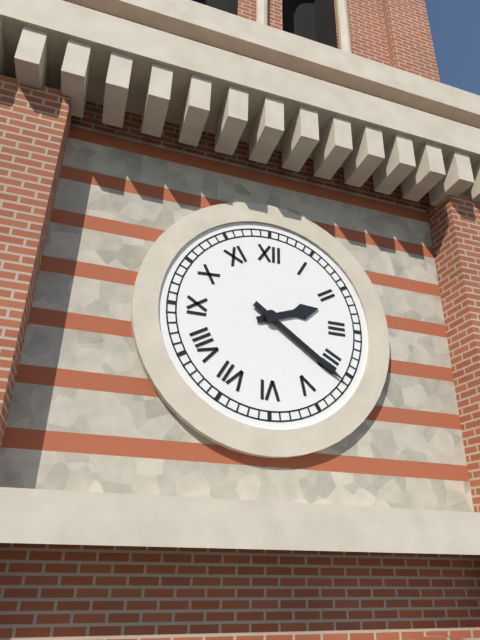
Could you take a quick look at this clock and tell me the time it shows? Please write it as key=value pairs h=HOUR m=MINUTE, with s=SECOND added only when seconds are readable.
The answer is h=2 m=21
